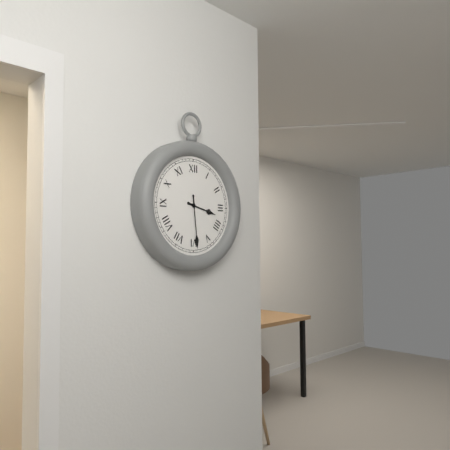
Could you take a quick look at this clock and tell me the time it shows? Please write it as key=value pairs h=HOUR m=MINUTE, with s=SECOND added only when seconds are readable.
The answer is h=3 m=29
